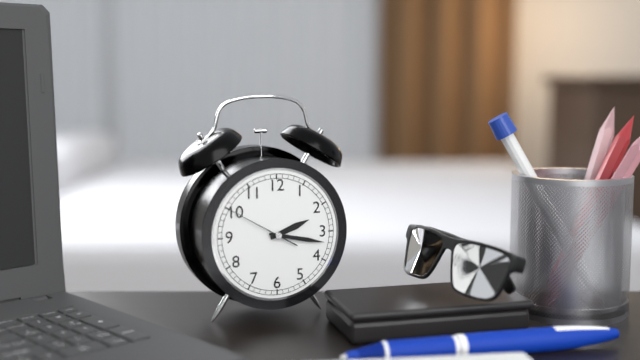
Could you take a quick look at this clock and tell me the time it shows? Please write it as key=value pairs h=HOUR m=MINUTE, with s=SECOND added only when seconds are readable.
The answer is h=2 m=17 s=50
